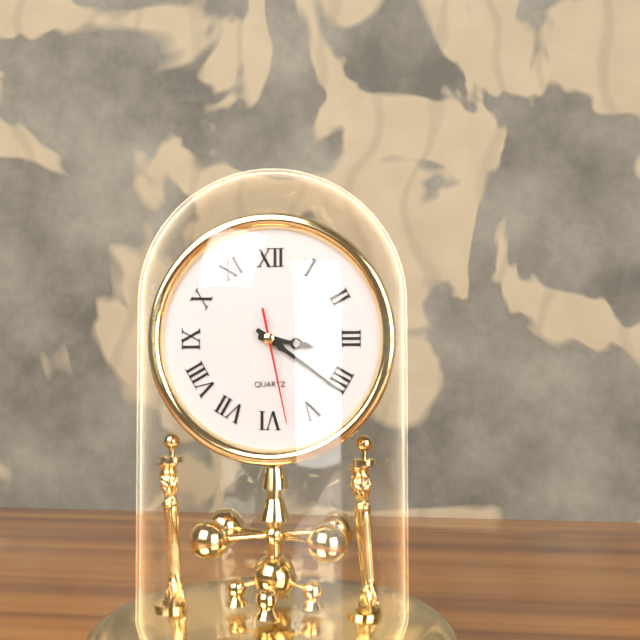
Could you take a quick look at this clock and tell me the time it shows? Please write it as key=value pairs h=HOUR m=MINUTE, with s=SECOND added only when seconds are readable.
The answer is h=3 m=21 s=28
